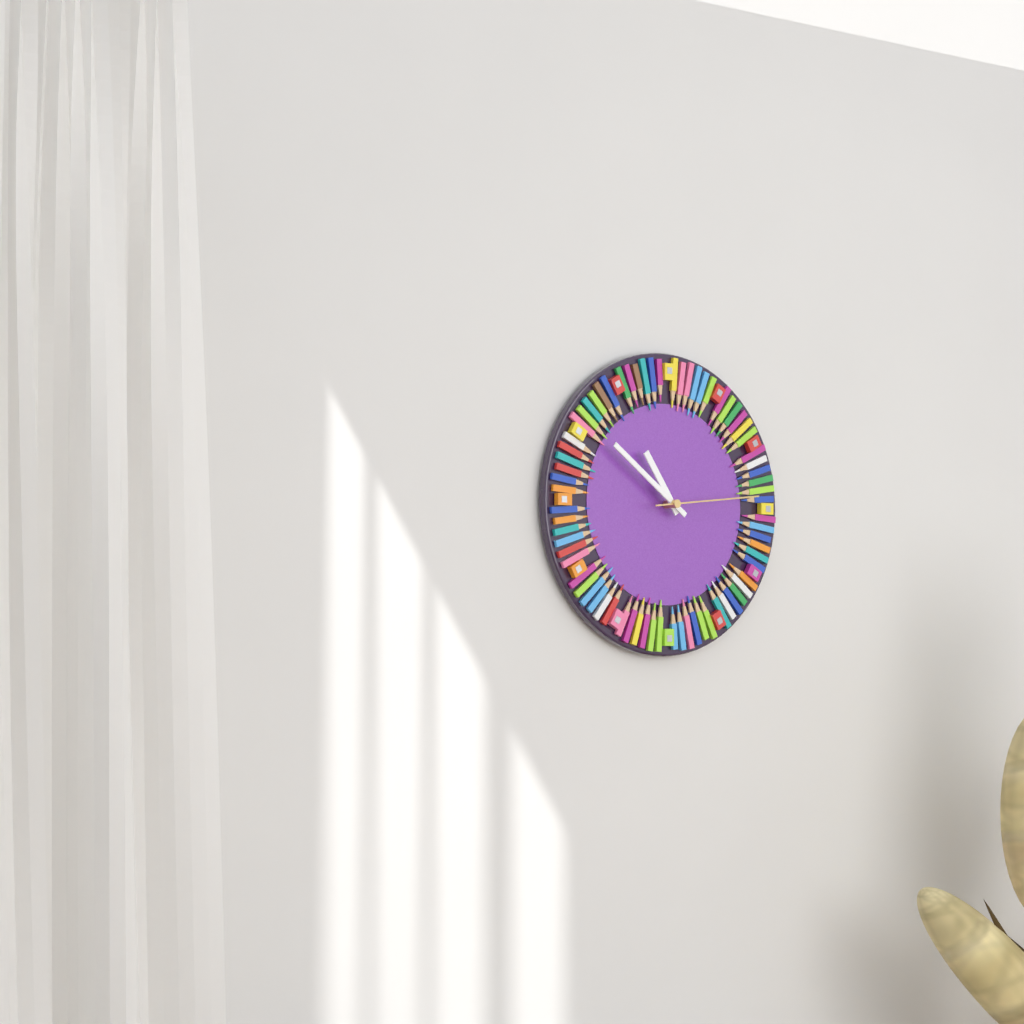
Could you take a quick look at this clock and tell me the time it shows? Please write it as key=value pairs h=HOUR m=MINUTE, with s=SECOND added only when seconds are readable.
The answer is h=10 m=51 s=14
